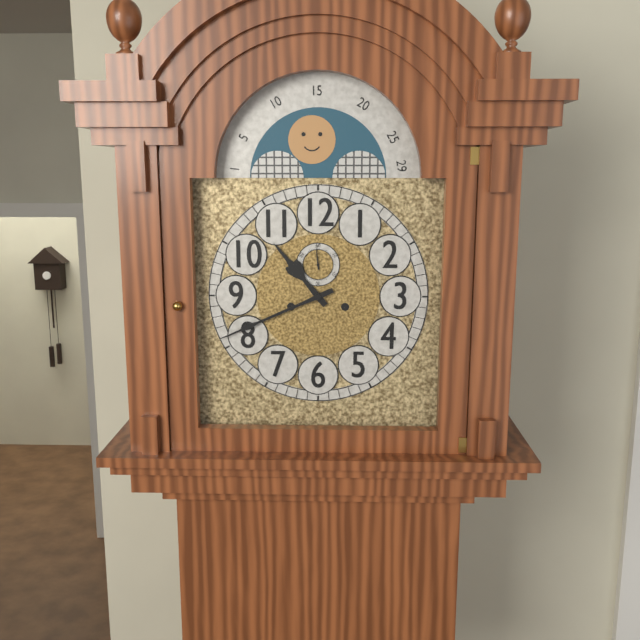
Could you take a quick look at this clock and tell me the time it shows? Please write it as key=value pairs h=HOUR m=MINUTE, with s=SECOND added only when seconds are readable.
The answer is h=10 m=41
